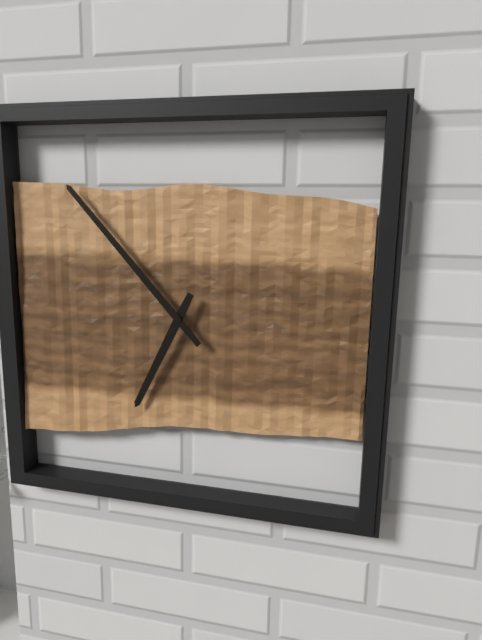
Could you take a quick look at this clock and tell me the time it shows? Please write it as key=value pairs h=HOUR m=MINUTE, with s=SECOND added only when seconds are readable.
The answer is h=6 m=53
